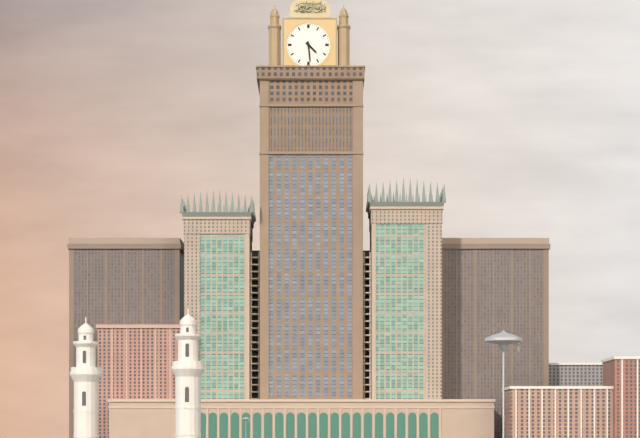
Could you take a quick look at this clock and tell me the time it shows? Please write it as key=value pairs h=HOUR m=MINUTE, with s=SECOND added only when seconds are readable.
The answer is h=4 m=29
